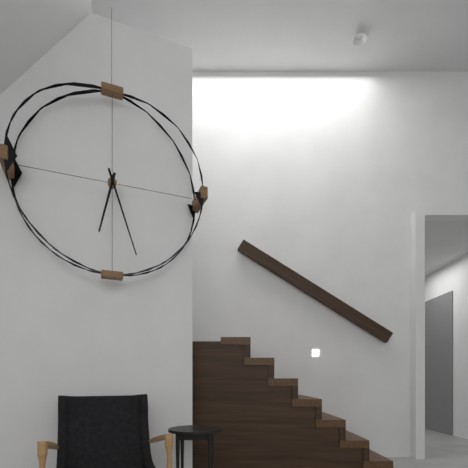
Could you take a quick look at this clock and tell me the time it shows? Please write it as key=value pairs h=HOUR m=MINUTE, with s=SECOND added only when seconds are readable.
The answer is h=6 m=27
